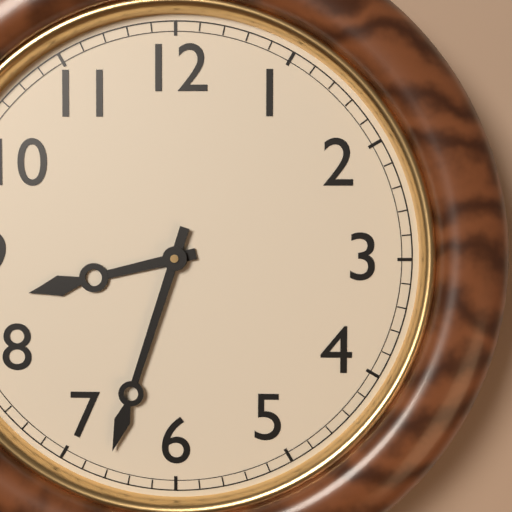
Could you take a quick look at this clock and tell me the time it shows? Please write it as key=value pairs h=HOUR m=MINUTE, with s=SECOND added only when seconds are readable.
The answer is h=8 m=33
